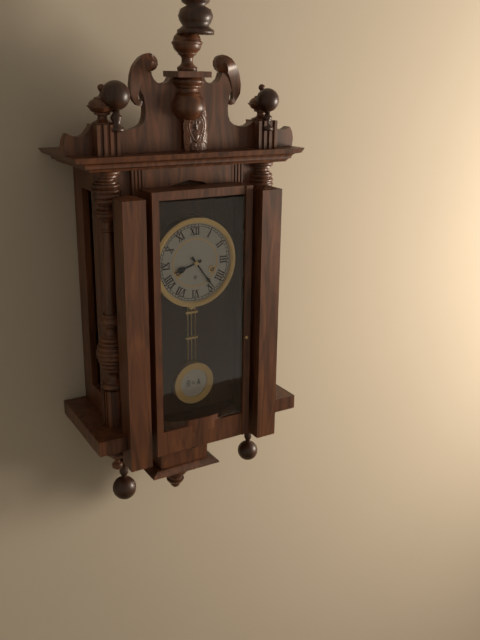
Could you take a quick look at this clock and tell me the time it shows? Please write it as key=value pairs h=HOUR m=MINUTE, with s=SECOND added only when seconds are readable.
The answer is h=8 m=24
